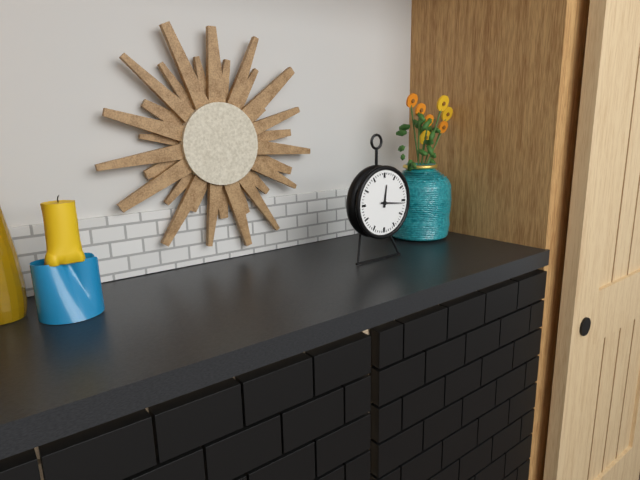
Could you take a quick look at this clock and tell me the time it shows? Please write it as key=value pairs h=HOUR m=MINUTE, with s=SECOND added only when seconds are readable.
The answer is h=12 m=16
